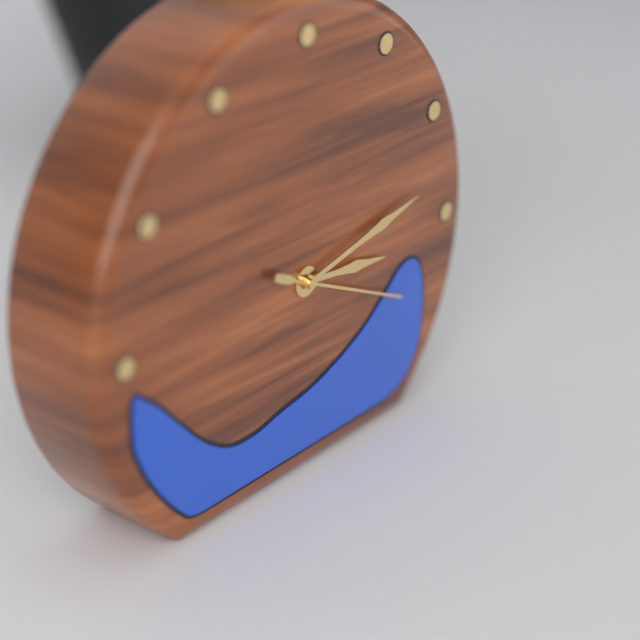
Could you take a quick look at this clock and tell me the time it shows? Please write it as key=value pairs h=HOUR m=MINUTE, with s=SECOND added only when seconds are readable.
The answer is h=3 m=13 s=19
